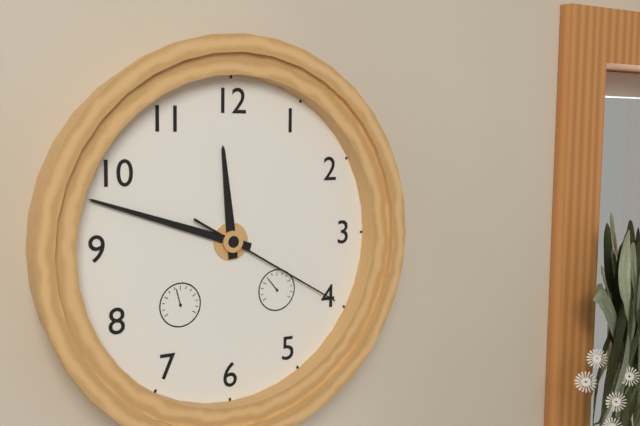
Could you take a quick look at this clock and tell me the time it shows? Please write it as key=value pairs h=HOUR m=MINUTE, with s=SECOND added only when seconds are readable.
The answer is h=11 m=48 s=20
